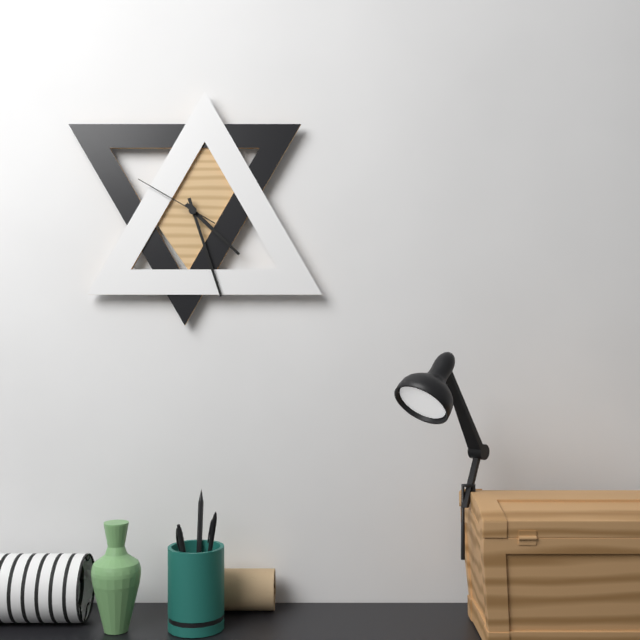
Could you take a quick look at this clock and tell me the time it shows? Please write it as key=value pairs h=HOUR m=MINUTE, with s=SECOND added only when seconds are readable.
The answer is h=4 m=27 s=50
